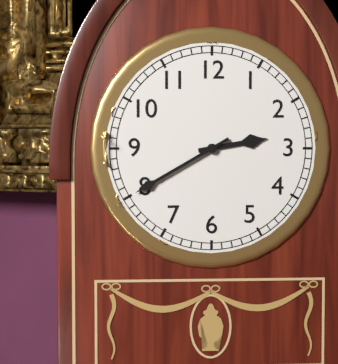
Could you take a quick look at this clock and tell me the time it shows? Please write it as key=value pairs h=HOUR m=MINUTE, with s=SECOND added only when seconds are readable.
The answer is h=2 m=40
